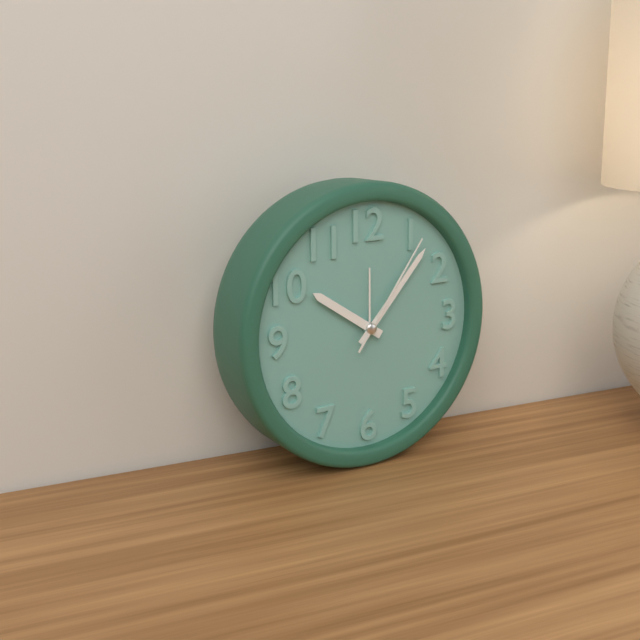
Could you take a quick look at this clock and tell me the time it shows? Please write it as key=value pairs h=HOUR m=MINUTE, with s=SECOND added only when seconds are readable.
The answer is h=10 m=7 s=6
